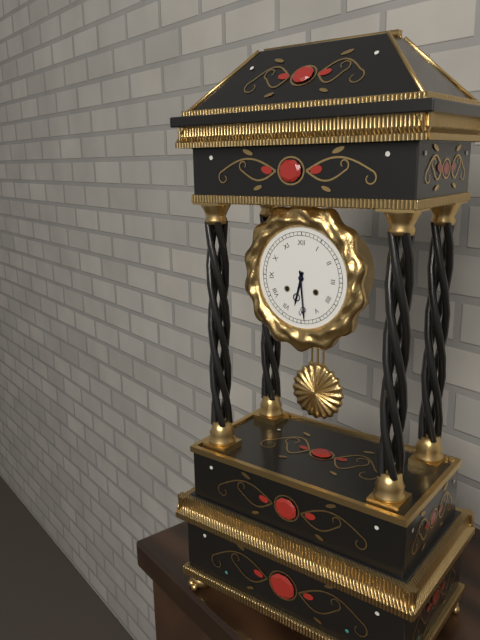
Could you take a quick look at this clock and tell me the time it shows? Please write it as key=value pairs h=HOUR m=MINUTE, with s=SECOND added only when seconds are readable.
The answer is h=6 m=29
